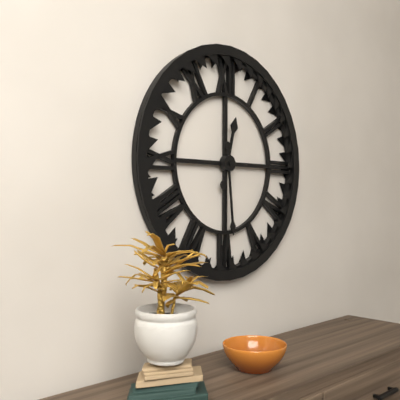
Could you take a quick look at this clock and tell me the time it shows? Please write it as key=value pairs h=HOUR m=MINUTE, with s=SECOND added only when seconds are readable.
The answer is h=12 m=29
